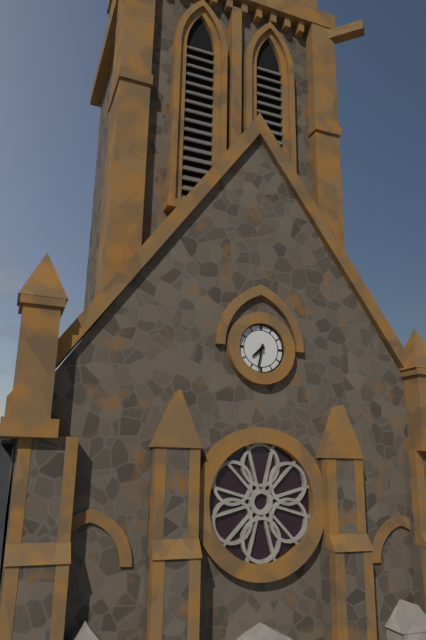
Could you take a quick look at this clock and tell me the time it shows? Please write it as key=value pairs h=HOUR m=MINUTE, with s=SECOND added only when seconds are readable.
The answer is h=7 m=32
